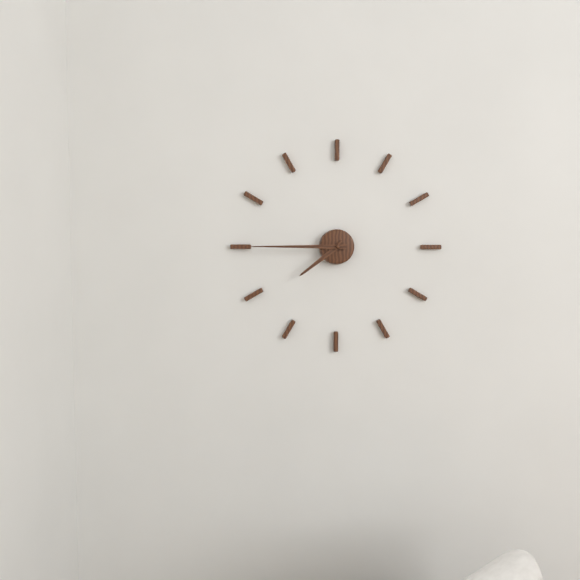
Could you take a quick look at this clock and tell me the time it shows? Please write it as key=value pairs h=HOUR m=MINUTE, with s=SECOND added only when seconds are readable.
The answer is h=7 m=45
